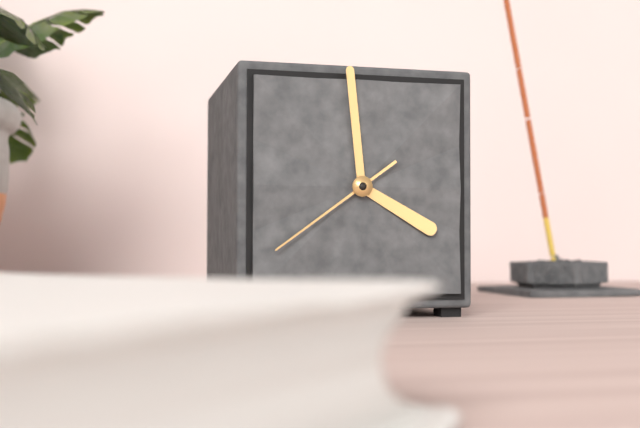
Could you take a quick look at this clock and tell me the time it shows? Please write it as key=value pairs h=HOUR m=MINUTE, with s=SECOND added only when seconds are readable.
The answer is h=3 m=59 s=39
